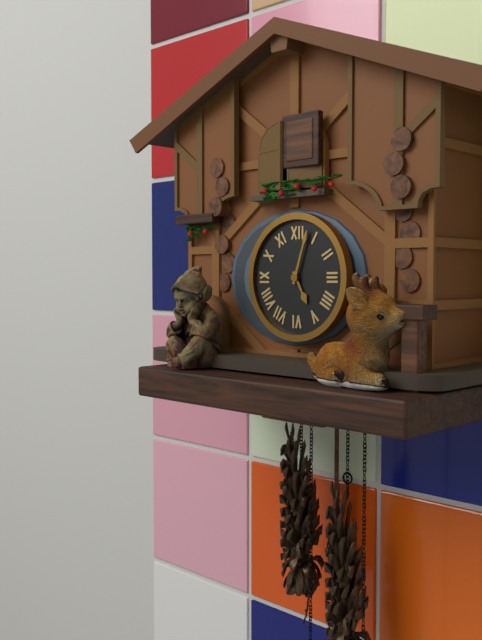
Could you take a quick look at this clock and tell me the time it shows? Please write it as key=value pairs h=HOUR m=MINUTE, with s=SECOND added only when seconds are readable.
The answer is h=5 m=3
